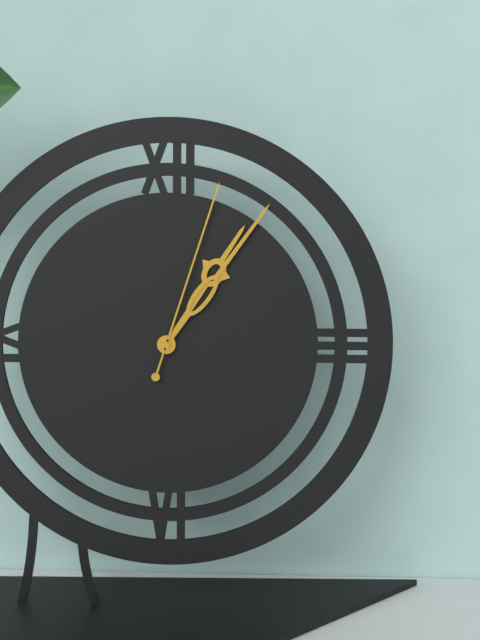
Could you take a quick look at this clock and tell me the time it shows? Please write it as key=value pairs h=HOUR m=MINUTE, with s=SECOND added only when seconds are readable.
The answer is h=1 m=6 s=3
